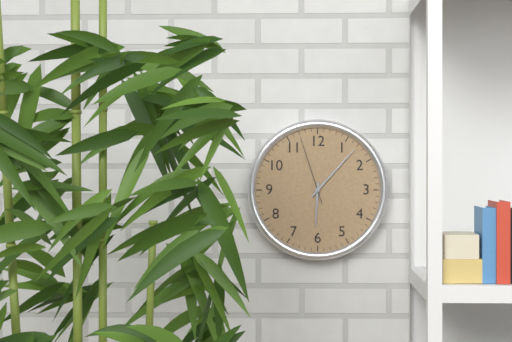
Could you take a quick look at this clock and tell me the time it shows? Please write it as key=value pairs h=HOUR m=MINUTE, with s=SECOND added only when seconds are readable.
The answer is h=6 m=7 s=57
